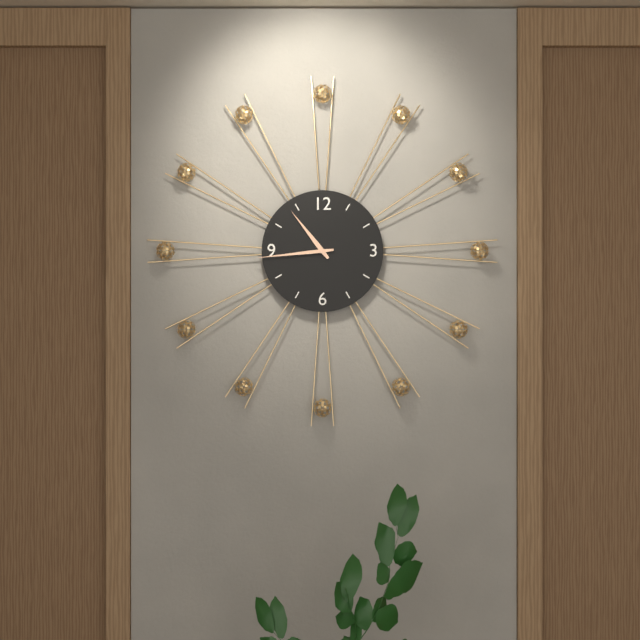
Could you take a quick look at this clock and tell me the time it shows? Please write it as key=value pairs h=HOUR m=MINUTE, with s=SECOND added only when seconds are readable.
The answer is h=10 m=44
